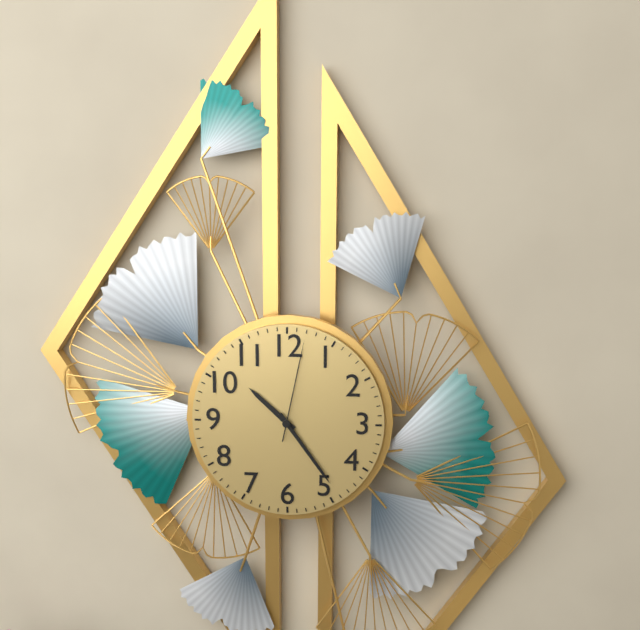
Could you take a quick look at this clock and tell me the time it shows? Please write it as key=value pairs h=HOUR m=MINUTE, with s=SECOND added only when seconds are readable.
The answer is h=10 m=24 s=2
